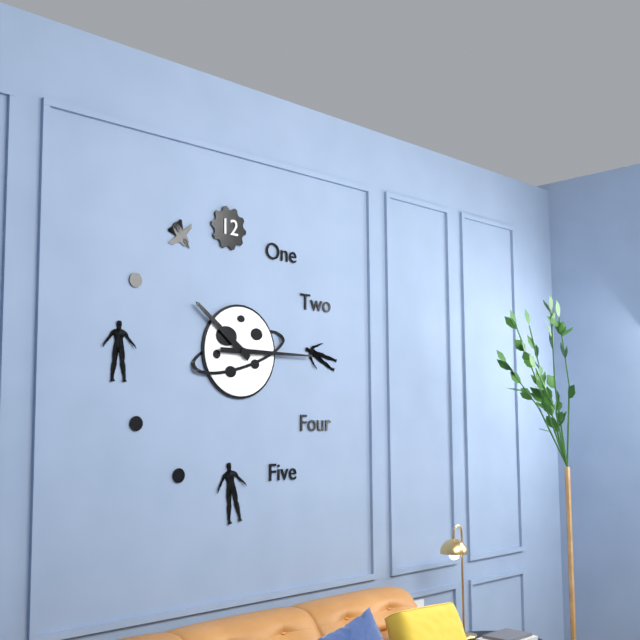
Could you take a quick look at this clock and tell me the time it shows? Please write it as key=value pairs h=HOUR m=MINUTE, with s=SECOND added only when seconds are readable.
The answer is h=10 m=15
